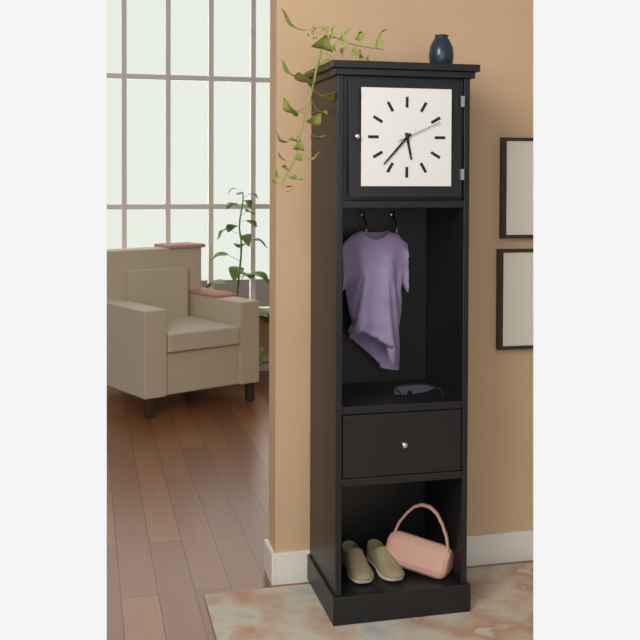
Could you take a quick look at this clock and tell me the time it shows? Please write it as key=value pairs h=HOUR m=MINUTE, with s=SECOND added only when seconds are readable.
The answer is h=5 m=37
